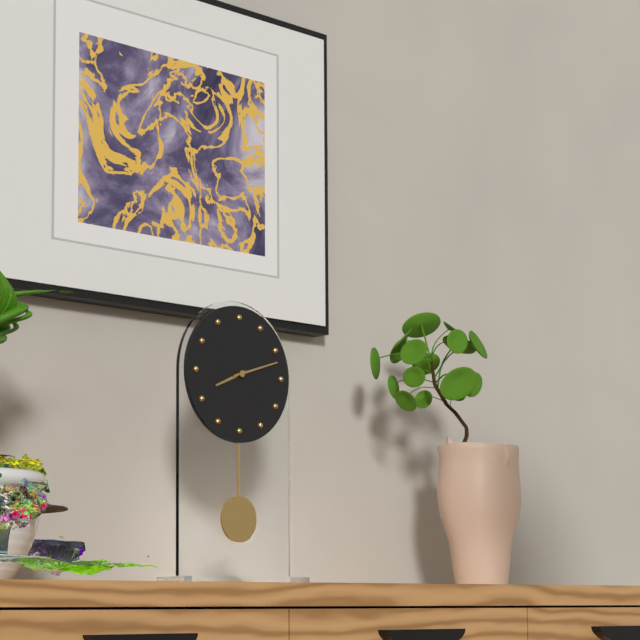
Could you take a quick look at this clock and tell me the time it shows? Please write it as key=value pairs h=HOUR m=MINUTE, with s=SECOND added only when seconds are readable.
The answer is h=8 m=12
